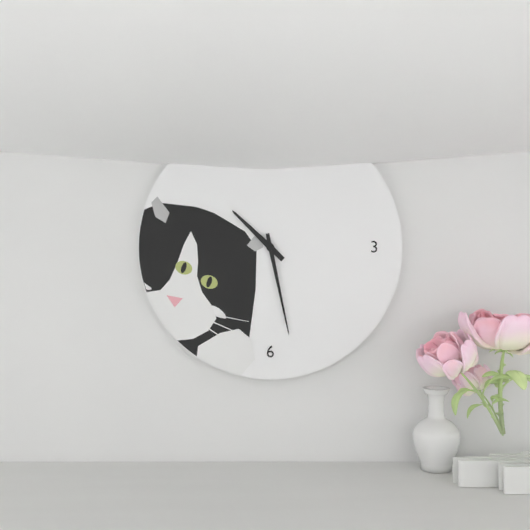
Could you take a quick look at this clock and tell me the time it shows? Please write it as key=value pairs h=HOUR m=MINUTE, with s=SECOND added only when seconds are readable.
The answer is h=10 m=28
